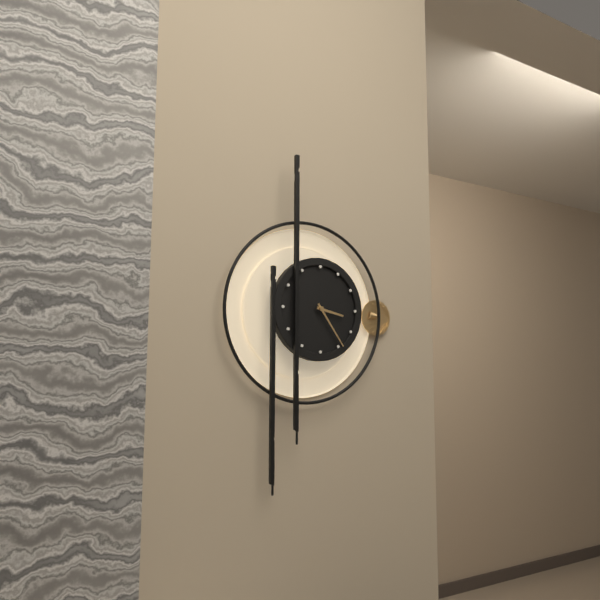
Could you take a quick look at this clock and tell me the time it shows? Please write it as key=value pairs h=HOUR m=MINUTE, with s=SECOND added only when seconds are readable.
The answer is h=3 m=24
